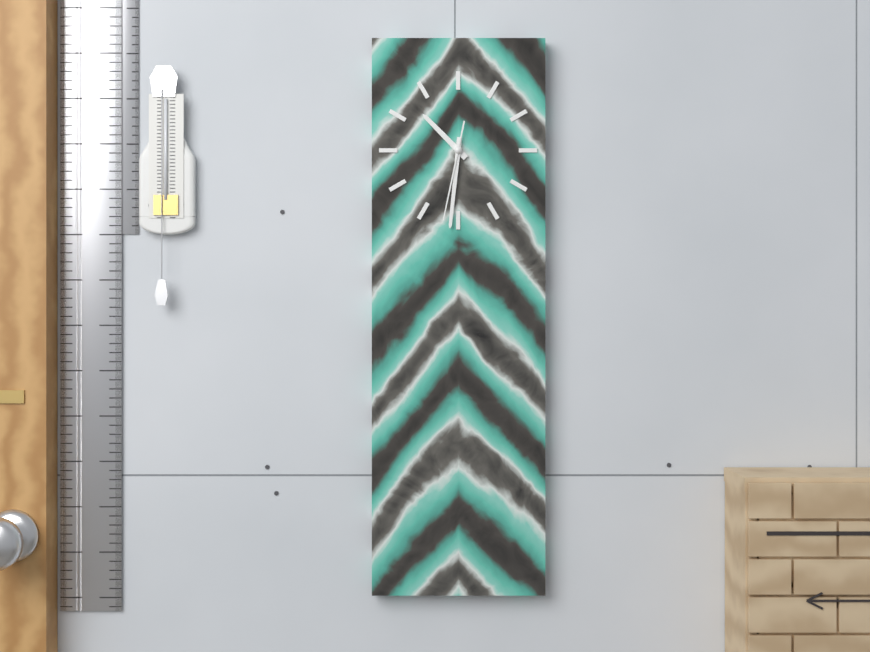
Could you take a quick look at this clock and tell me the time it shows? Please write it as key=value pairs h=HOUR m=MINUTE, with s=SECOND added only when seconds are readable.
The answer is h=10 m=31 s=32
